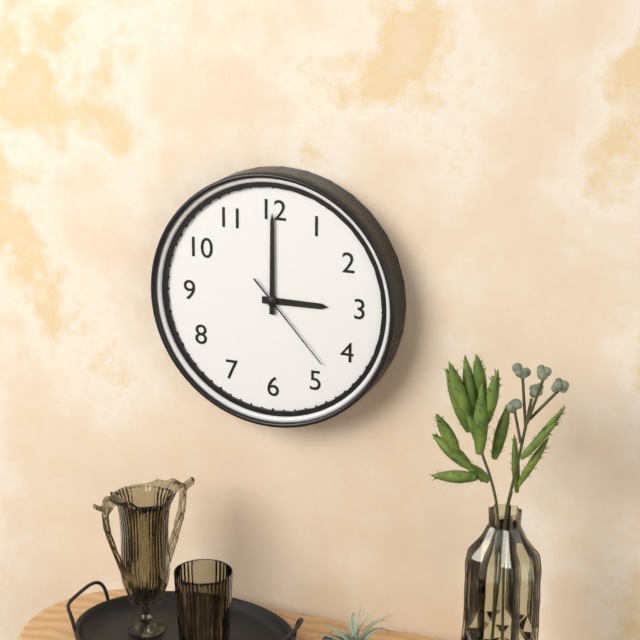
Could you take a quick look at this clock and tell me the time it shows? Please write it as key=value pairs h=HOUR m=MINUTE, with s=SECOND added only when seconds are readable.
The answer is h=3 m=0 s=23
